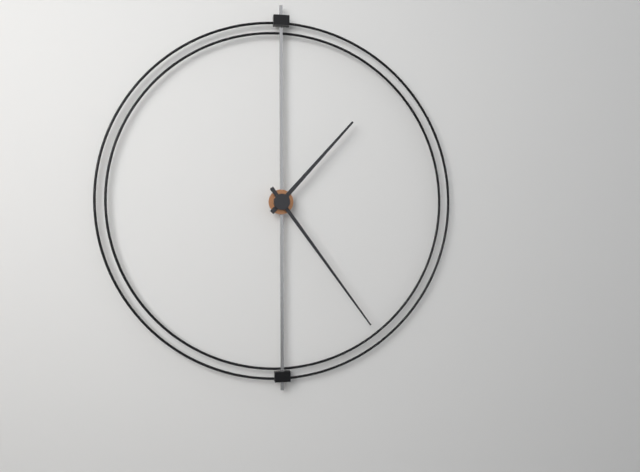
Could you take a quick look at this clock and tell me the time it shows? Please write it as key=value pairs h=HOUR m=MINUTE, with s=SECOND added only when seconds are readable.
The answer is h=1 m=24
